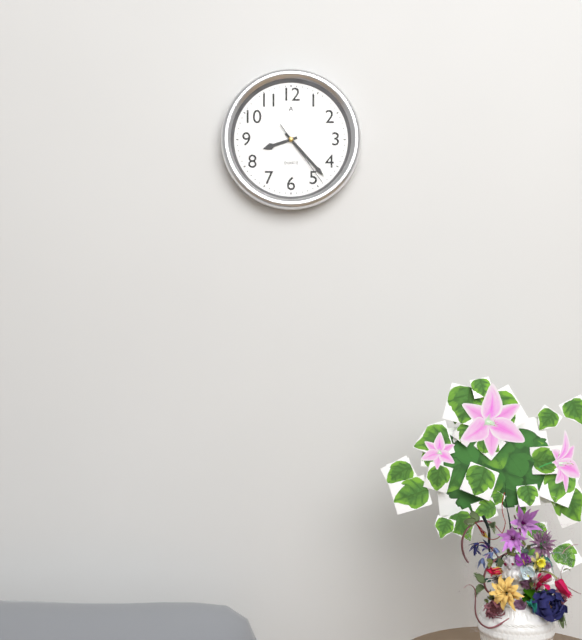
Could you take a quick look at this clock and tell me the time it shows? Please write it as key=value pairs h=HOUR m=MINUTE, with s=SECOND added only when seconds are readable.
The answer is h=8 m=23 s=24
